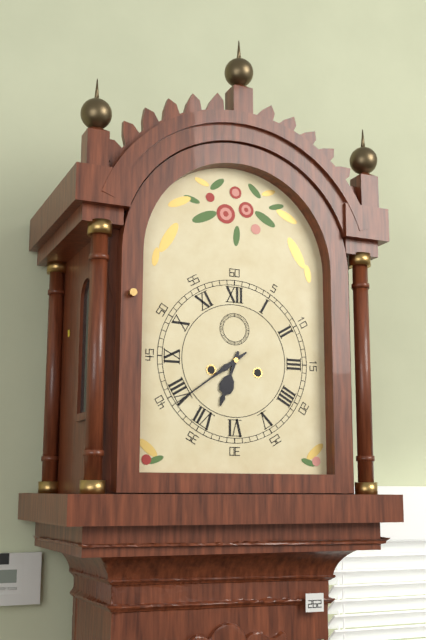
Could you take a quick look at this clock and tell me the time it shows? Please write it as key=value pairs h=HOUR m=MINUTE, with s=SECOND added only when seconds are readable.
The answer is h=6 m=39
